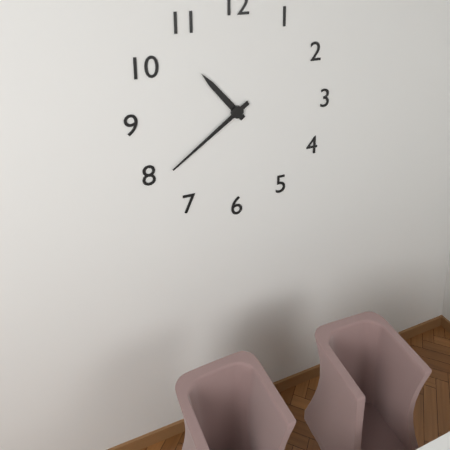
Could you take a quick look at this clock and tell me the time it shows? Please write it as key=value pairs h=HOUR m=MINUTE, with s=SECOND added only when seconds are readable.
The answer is h=10 m=39
